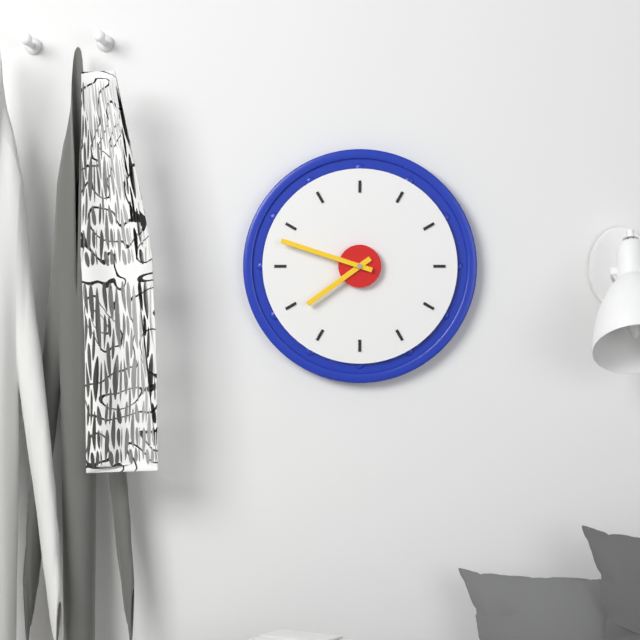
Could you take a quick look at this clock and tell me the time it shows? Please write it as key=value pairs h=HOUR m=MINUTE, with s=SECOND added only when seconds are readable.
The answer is h=7 m=48
